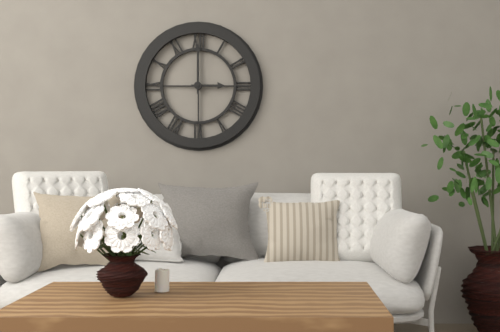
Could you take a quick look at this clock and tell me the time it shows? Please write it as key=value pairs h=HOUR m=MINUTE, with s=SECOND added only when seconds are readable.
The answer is h=3 m=0
